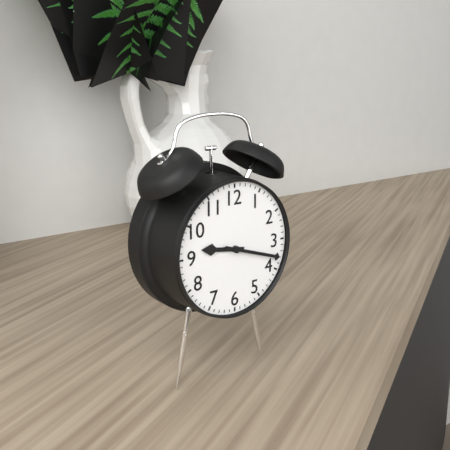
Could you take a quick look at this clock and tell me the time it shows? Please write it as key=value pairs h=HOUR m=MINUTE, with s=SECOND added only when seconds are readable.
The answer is h=9 m=18
